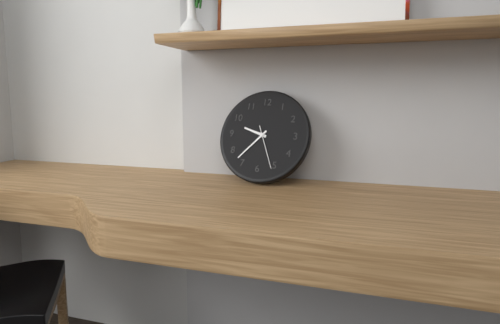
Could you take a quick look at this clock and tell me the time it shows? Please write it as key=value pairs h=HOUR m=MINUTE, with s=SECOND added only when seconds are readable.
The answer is h=9 m=37
